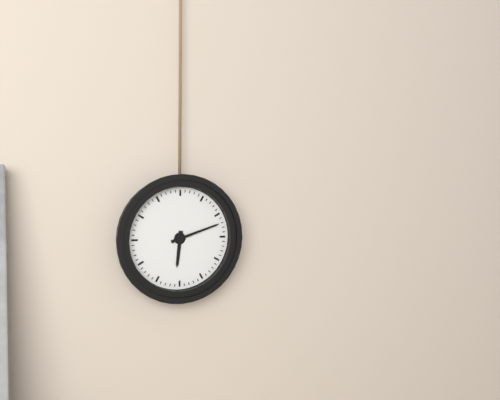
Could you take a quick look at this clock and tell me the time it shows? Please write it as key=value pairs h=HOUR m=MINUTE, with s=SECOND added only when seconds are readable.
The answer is h=6 m=12
